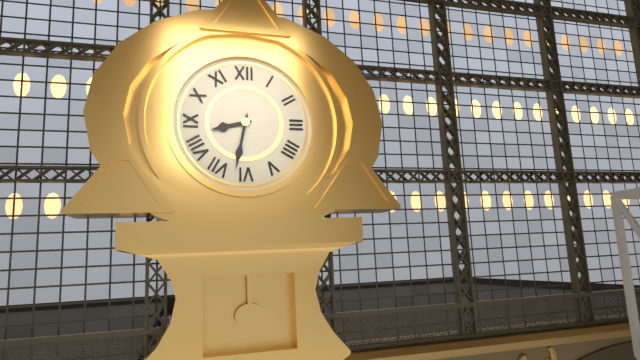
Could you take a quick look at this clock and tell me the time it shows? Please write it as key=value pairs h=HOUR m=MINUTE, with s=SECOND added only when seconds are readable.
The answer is h=8 m=32
